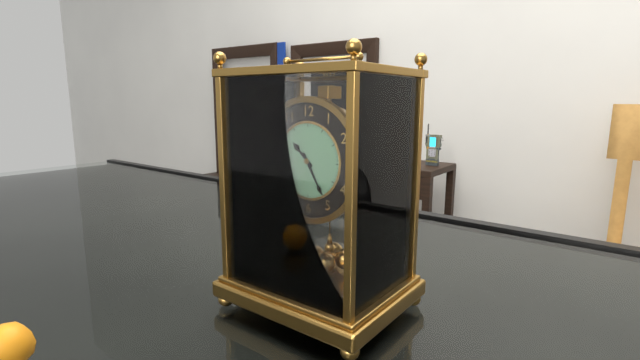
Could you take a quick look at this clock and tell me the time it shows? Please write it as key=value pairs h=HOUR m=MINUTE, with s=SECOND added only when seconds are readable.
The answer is h=10 m=25
